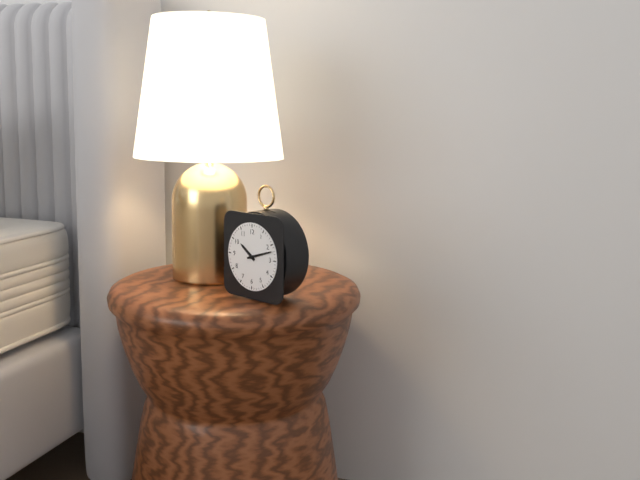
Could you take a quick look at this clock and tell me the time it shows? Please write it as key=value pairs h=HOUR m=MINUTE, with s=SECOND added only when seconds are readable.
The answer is h=10 m=12
